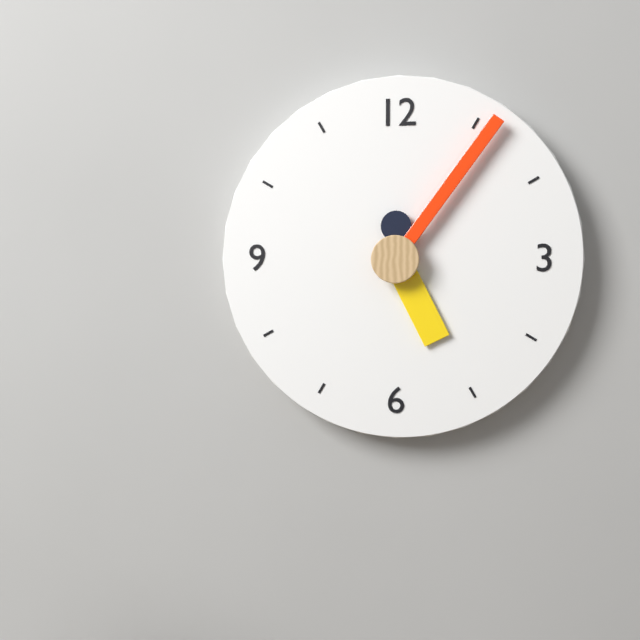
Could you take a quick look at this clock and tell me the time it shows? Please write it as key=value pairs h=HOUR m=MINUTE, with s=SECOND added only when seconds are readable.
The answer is h=5 m=6
